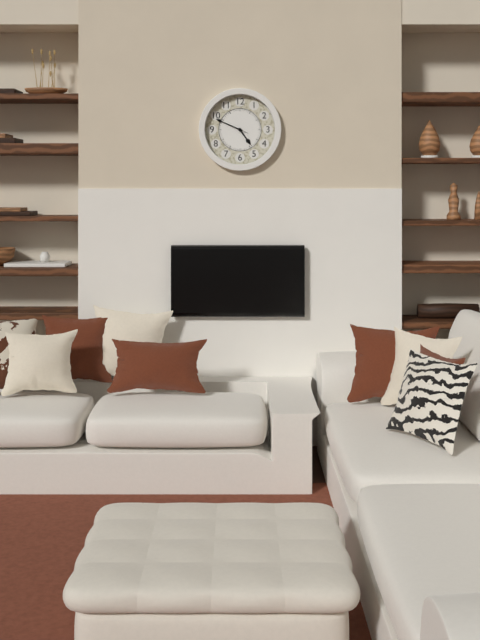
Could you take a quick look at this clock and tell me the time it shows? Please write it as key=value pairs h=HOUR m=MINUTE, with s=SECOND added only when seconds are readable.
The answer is h=4 m=49
